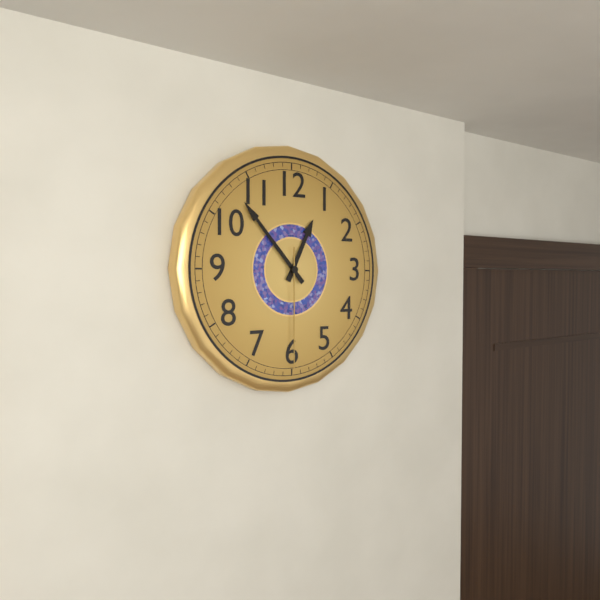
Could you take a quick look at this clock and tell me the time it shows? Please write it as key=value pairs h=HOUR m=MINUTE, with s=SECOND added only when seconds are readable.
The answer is h=12 m=53 s=30
